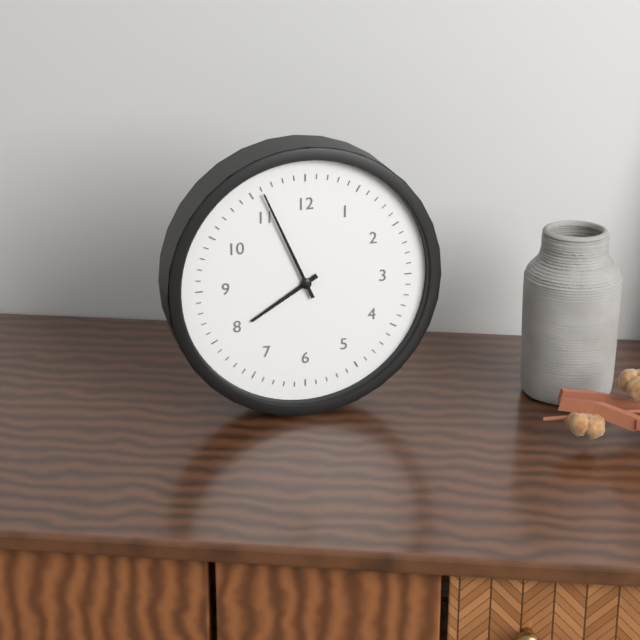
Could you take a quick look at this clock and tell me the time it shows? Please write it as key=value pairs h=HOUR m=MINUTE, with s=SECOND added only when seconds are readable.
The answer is h=7 m=56
